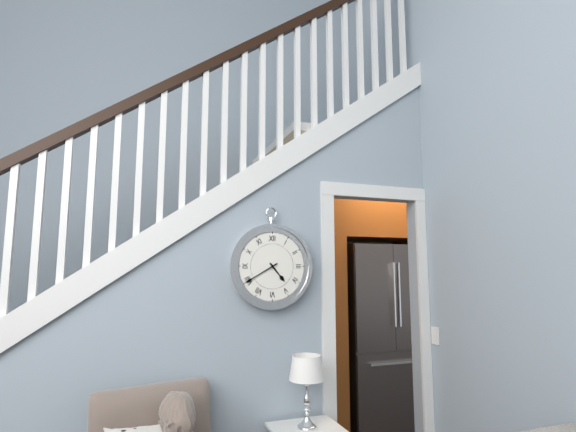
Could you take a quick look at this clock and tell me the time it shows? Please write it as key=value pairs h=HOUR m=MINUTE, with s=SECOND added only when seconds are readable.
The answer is h=4 m=40
